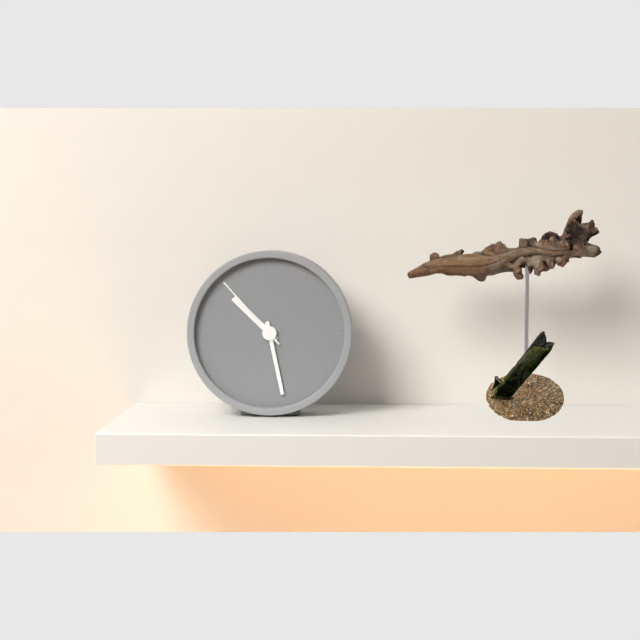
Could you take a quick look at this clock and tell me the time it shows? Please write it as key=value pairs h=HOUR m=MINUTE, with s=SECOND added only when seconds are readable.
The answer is h=10 m=28 s=53
